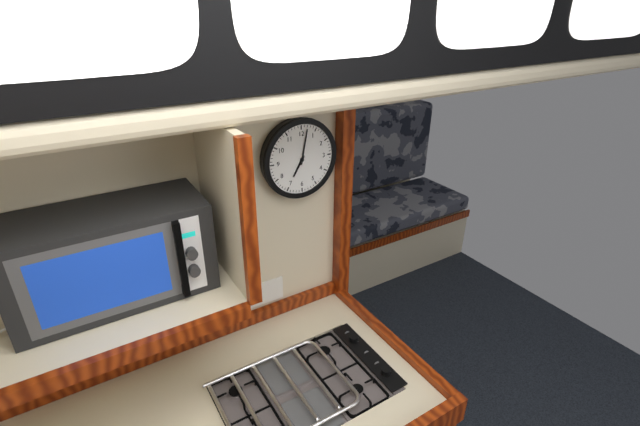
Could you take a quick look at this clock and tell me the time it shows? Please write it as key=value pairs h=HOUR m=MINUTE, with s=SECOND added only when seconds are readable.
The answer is h=7 m=2
